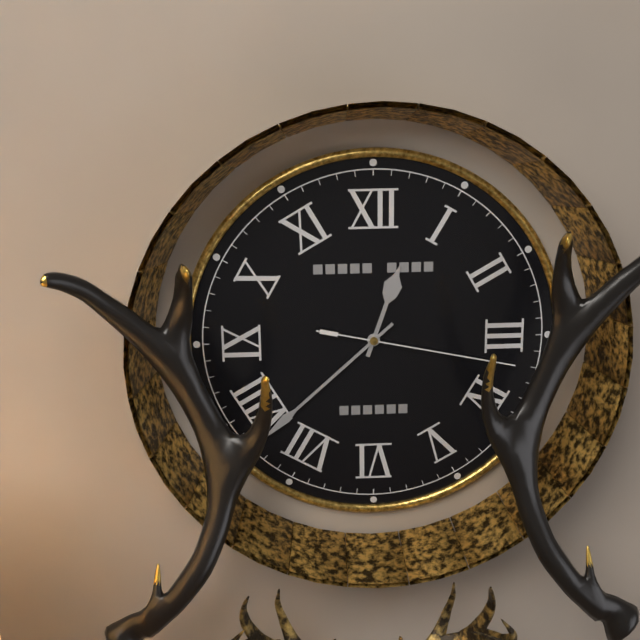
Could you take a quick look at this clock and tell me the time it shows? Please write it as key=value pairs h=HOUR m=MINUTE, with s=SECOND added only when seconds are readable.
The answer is h=12 m=38 s=17
